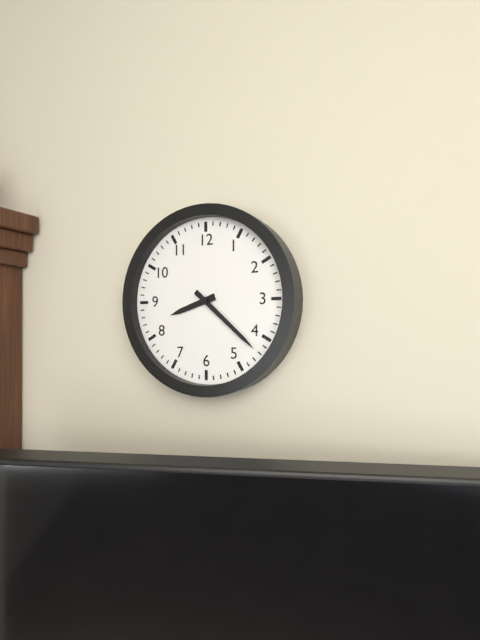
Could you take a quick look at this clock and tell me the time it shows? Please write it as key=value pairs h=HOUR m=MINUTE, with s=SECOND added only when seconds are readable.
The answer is h=8 m=22
